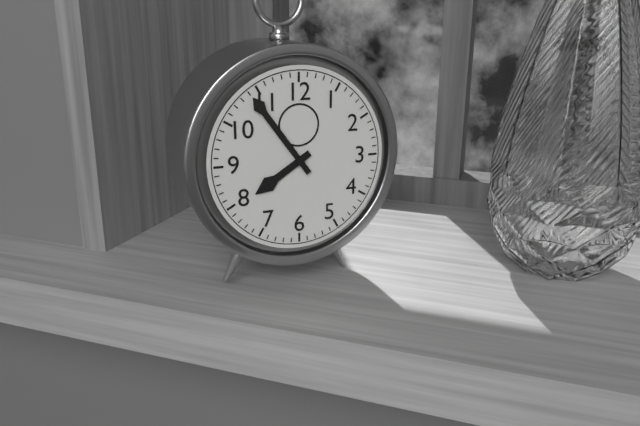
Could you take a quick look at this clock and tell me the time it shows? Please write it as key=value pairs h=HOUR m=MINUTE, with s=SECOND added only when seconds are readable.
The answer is h=7 m=54
